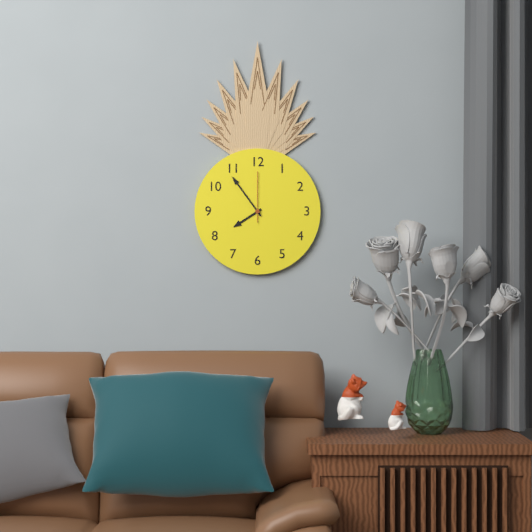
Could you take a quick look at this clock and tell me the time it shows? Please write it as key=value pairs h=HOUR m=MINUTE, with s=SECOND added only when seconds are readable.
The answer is h=7 m=54 s=0
